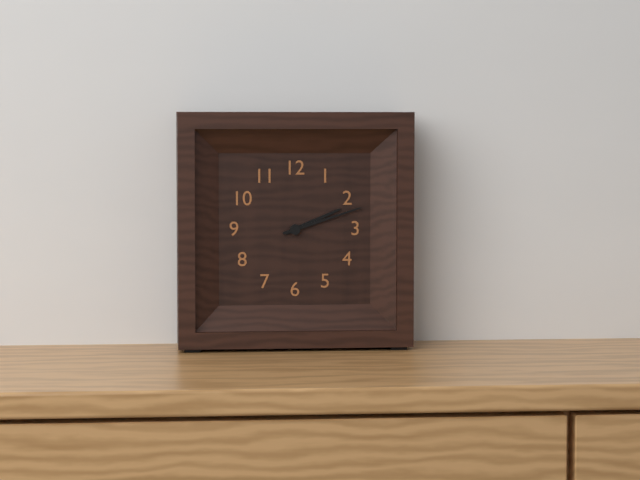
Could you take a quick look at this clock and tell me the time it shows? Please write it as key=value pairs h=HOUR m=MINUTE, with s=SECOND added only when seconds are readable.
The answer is h=2 m=12
